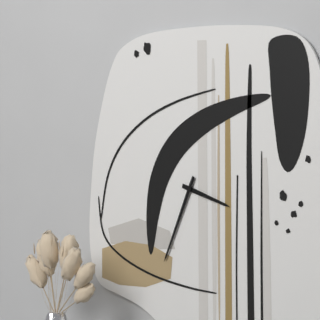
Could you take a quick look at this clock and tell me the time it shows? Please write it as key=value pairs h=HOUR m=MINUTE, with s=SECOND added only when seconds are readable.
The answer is h=3 m=34
